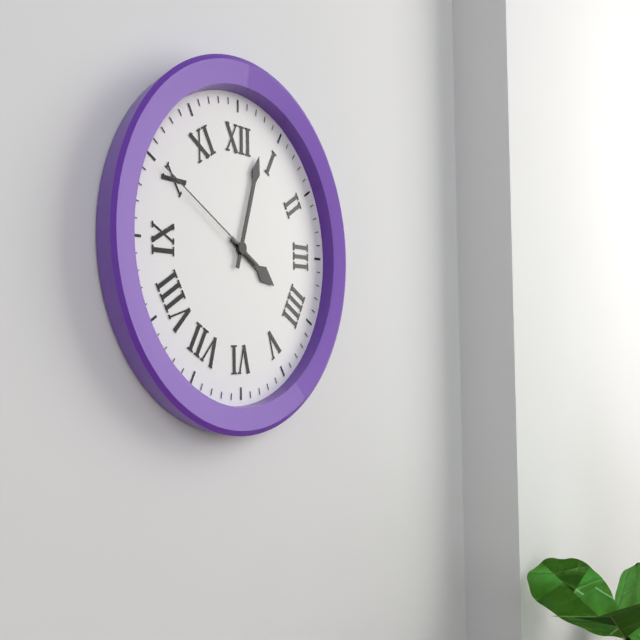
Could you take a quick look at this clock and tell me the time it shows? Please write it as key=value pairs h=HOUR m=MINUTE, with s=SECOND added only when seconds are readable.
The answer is h=4 m=3 s=50
